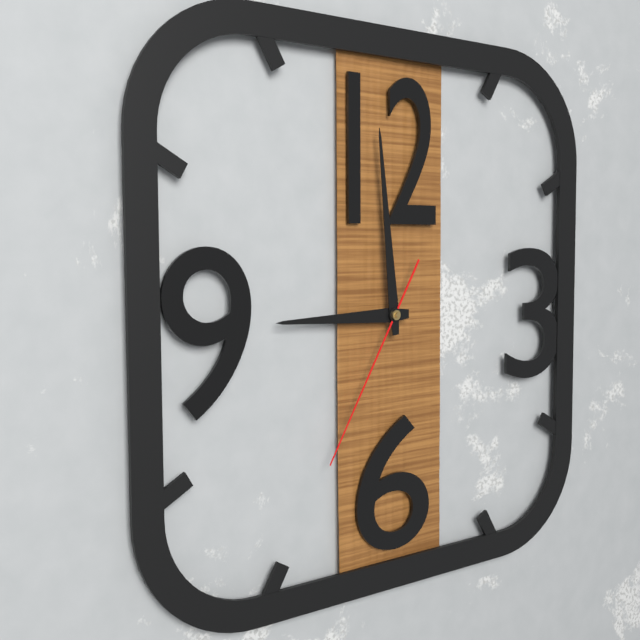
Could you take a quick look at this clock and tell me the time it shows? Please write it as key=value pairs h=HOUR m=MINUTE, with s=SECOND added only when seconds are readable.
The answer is h=8 m=59 s=35
